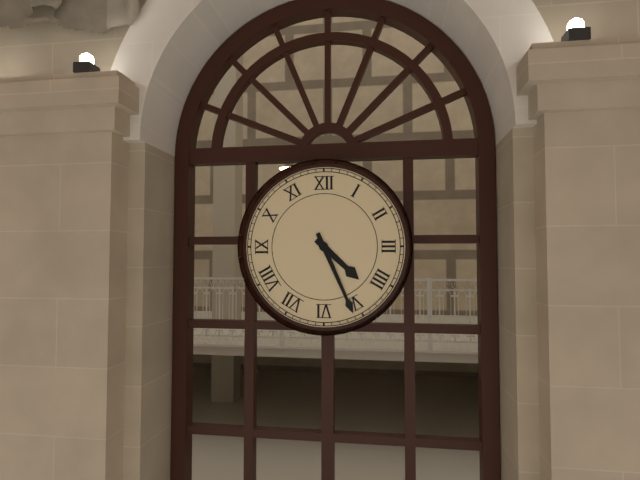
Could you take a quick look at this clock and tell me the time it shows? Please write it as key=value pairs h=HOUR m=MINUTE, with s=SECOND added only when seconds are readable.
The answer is h=4 m=26
